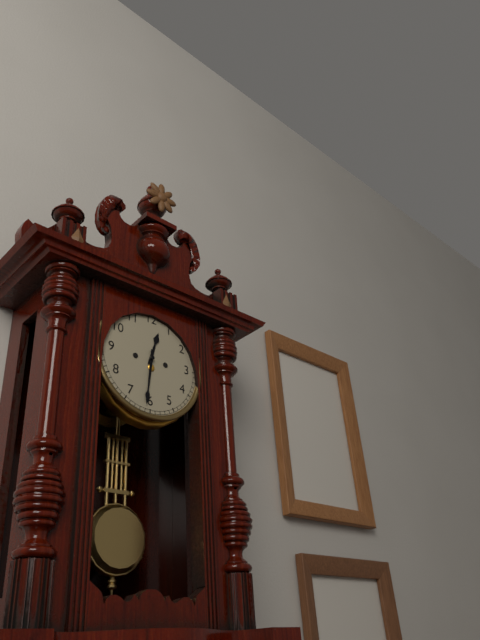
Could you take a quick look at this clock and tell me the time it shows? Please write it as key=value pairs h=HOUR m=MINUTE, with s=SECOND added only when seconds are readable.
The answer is h=12 m=31
